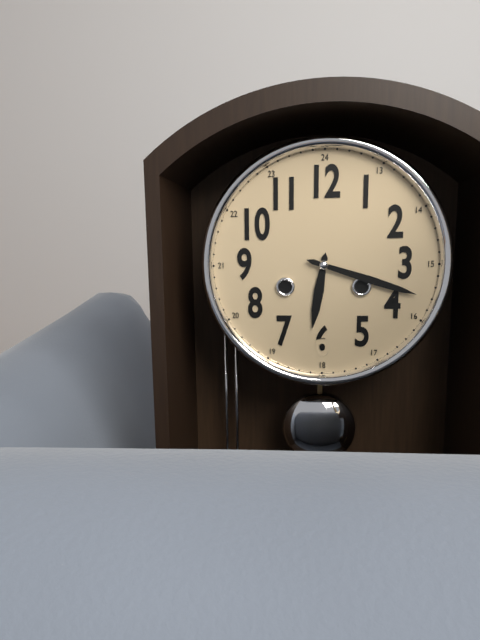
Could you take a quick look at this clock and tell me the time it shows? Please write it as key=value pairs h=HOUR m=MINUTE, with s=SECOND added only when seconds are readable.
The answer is h=6 m=18
